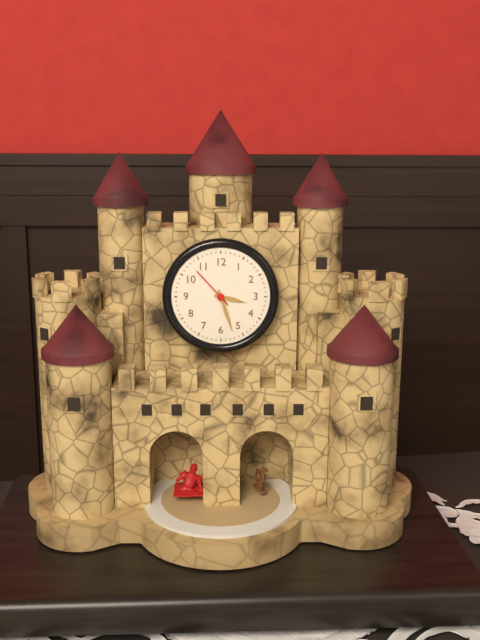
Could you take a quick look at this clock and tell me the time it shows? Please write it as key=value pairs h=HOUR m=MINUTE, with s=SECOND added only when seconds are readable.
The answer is h=3 m=27 s=53
